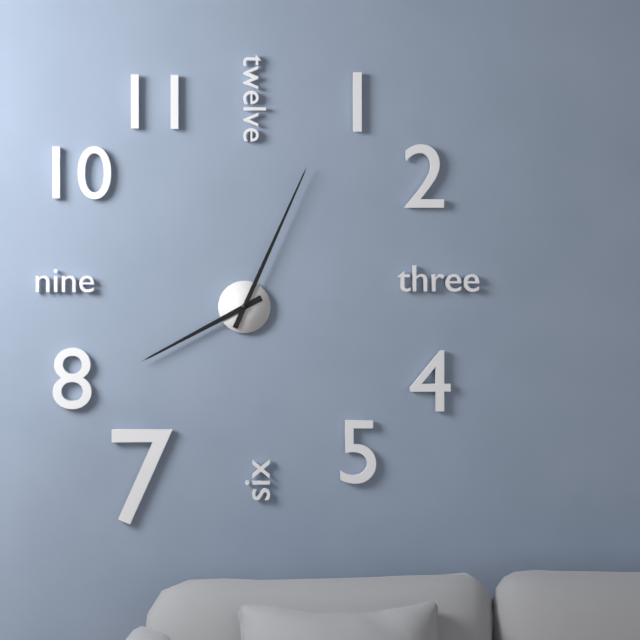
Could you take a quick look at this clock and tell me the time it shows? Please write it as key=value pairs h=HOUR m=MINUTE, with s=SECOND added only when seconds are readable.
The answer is h=8 m=4
